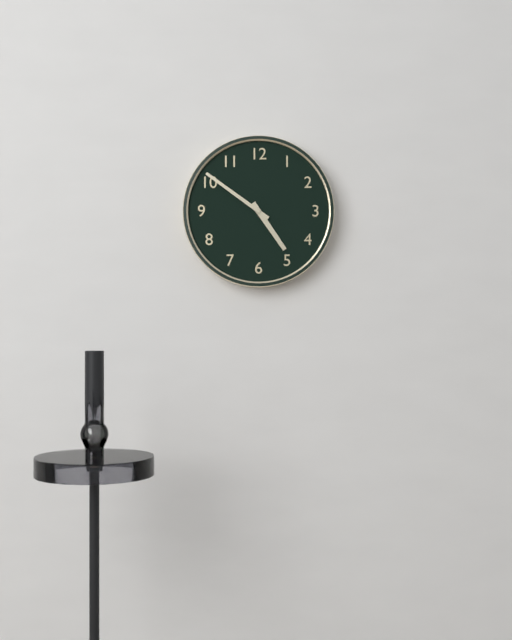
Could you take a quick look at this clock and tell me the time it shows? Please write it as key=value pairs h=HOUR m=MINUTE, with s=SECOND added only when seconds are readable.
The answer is h=4 m=51
